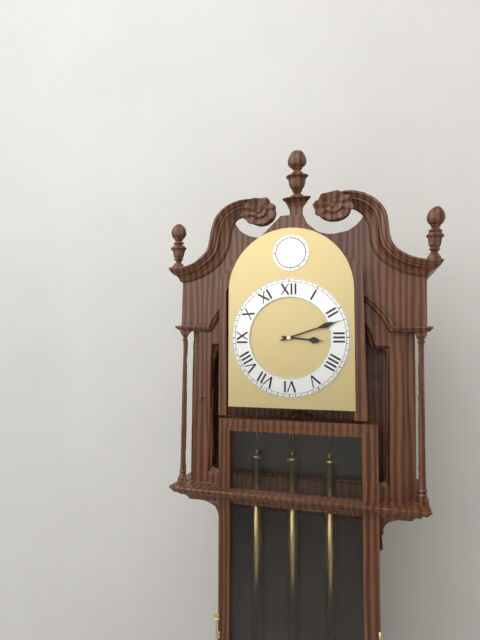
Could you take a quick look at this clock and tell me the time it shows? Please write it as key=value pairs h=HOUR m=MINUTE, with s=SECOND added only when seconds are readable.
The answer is h=3 m=12
